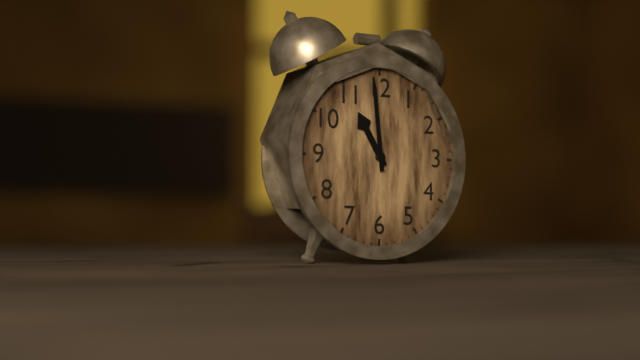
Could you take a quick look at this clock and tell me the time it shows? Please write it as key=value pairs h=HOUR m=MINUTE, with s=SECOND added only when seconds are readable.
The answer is h=10 m=59
